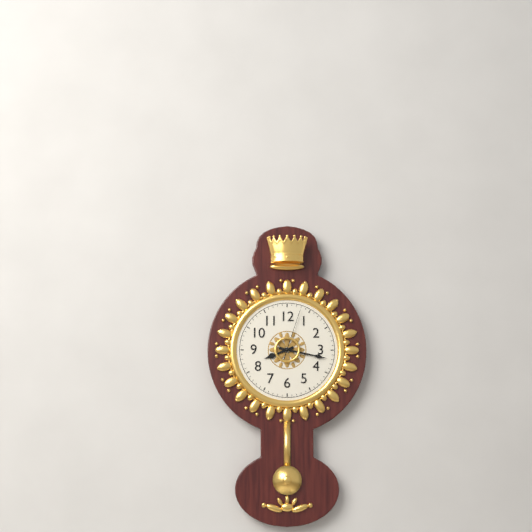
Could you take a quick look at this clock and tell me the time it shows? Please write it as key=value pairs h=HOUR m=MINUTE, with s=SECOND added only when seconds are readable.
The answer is h=8 m=17 s=3
